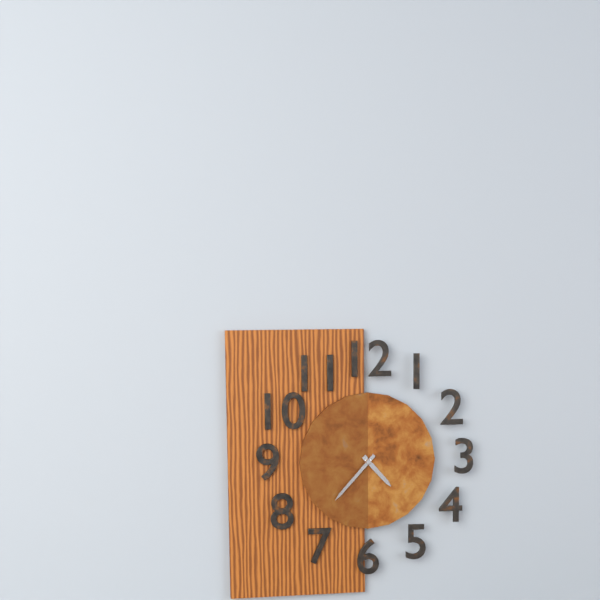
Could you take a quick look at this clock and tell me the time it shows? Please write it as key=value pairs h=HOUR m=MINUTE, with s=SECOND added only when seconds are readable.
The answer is h=4 m=37
